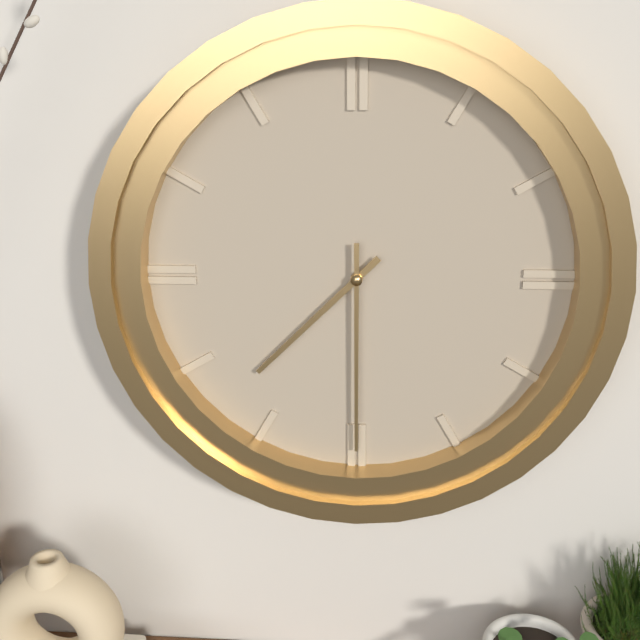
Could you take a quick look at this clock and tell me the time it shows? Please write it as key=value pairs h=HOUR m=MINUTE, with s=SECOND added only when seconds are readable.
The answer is h=7 m=30
